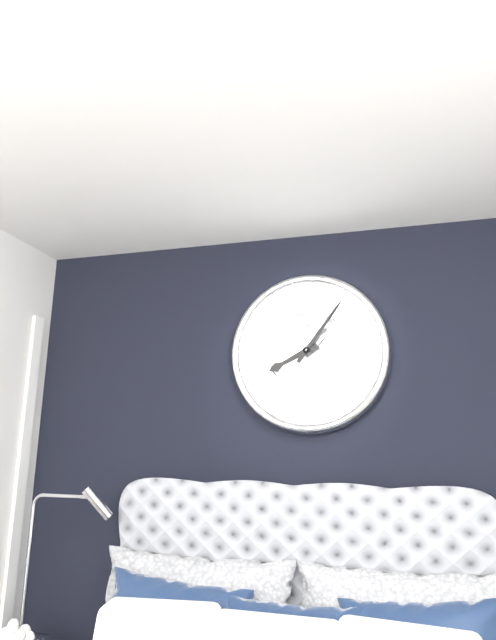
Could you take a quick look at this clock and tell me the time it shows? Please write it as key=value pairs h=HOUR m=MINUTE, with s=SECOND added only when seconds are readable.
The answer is h=8 m=6
